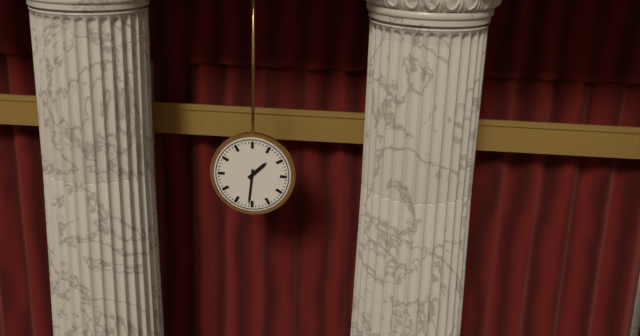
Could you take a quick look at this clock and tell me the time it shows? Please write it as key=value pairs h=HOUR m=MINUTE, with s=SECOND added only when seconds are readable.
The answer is h=1 m=31
